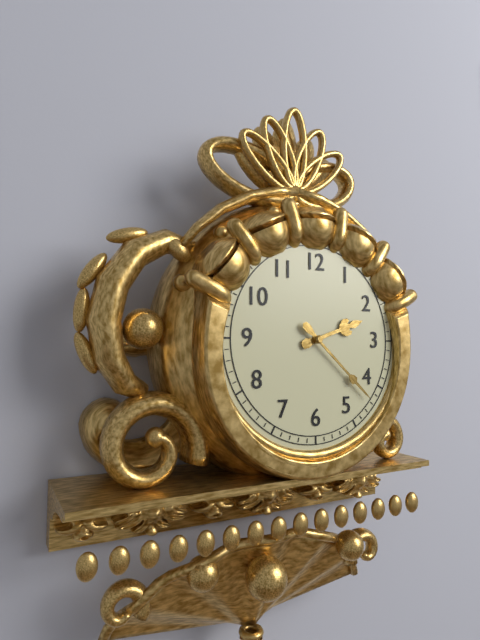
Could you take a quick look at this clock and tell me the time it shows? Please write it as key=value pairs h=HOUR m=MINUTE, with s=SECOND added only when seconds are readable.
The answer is h=2 m=22
